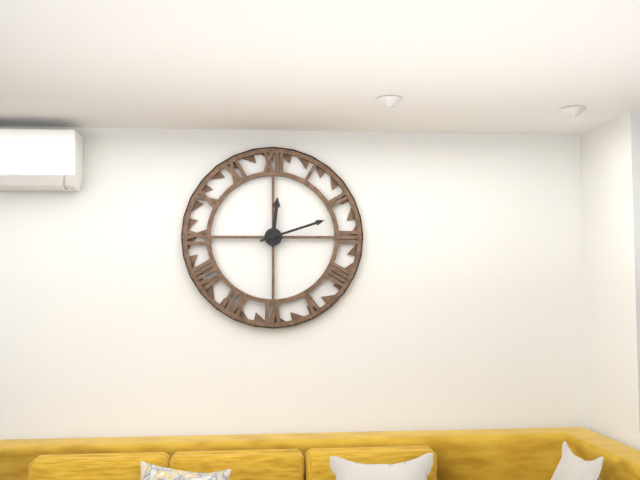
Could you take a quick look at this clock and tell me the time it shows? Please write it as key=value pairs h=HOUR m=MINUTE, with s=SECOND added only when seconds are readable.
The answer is h=12 m=12
